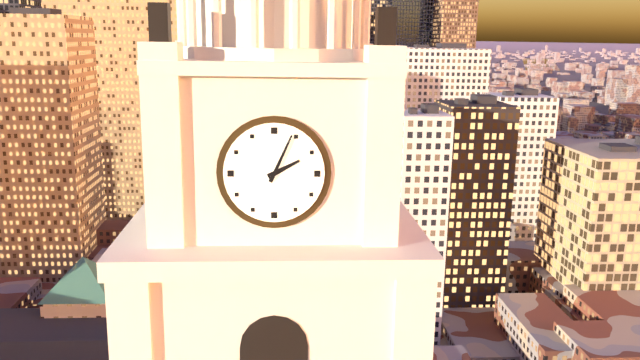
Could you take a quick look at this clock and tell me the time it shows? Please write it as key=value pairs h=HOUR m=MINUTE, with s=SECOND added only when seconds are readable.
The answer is h=2 m=4
